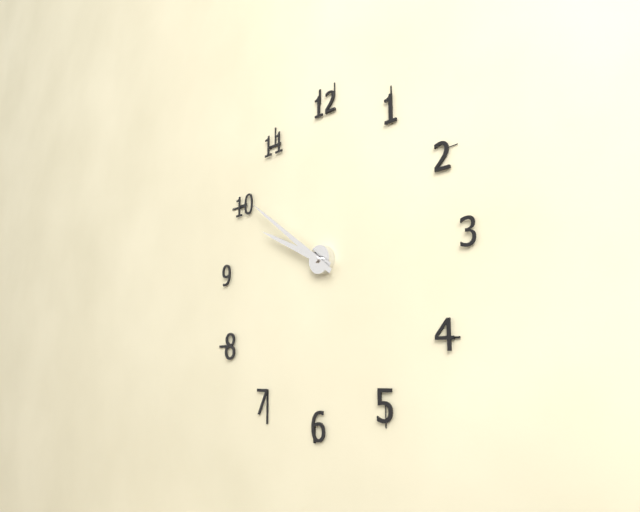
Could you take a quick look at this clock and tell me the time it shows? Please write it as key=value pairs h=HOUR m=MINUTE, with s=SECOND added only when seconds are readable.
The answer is h=9 m=51
